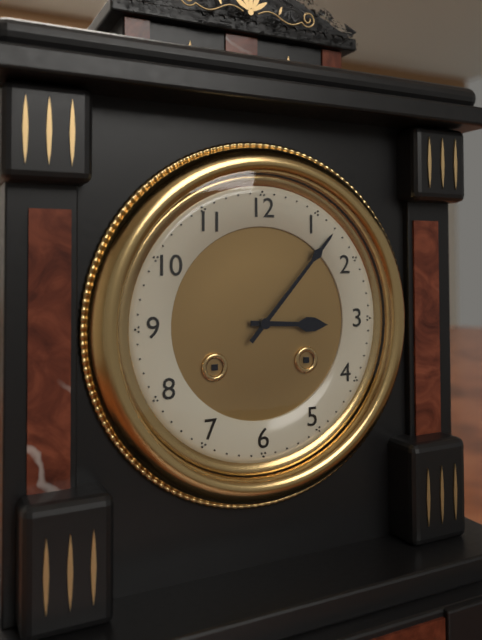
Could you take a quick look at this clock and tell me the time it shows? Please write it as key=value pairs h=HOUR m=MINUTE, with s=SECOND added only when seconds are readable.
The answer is h=3 m=7
